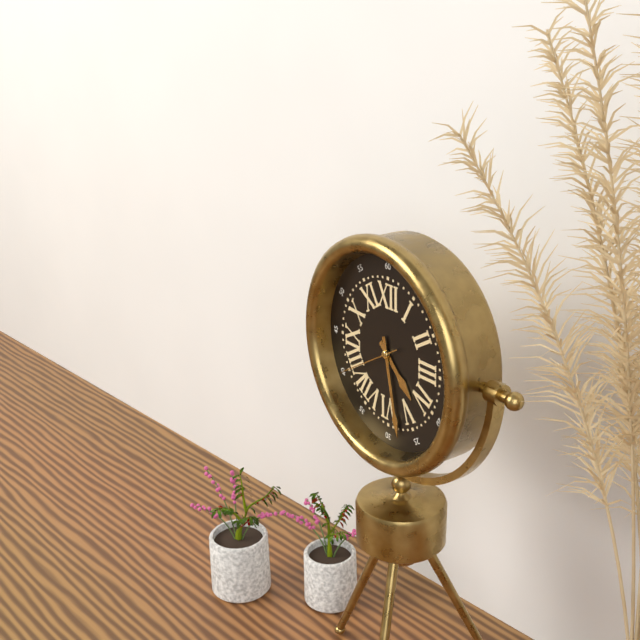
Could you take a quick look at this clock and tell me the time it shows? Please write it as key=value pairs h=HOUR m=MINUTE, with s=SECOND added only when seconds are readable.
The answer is h=4 m=28 s=40
